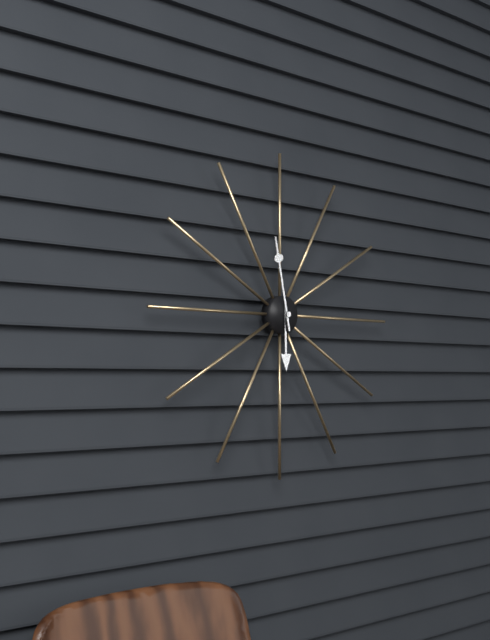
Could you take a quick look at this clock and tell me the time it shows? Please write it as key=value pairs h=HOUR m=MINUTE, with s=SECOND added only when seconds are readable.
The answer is h=5 m=58
